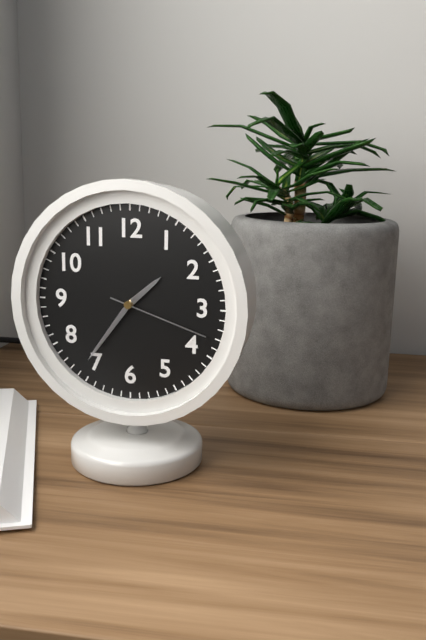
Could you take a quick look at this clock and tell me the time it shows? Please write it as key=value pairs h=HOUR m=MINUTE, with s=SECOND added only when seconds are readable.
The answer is h=1 m=36 s=18
